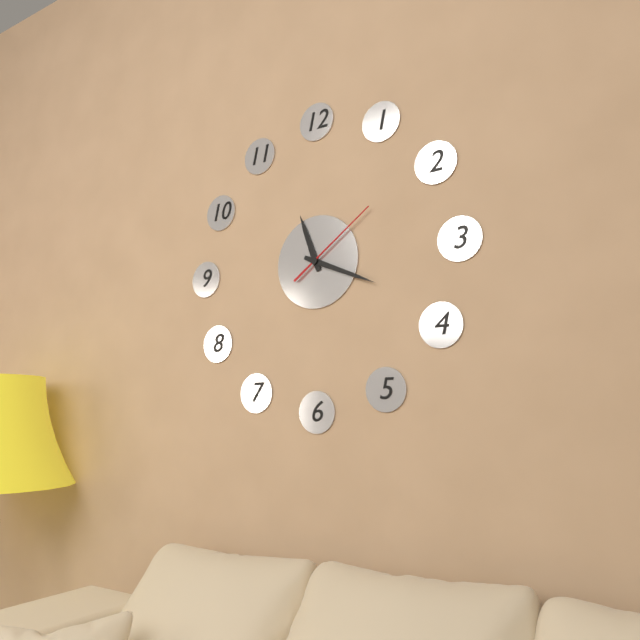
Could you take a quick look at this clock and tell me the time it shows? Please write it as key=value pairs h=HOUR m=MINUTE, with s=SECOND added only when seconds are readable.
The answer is h=11 m=19 s=9
